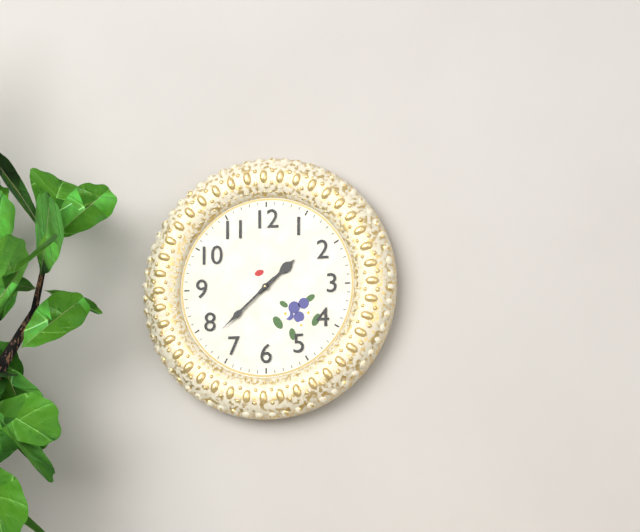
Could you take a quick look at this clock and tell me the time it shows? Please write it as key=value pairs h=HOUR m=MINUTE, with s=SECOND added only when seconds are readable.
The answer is h=1 m=38
